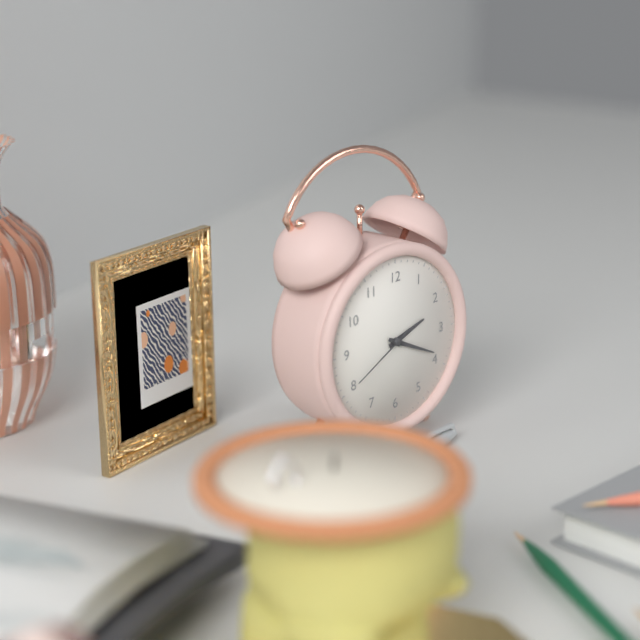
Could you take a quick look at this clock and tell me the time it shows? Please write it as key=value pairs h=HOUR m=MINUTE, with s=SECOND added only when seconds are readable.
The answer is h=2 m=19 s=40
